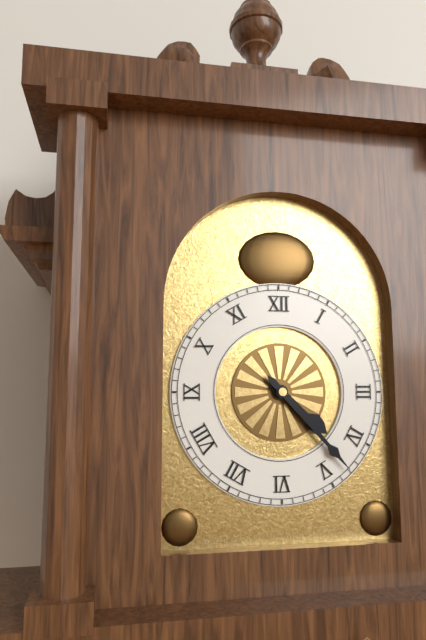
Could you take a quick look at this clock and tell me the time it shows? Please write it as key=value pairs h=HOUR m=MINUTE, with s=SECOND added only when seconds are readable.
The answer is h=4 m=23
